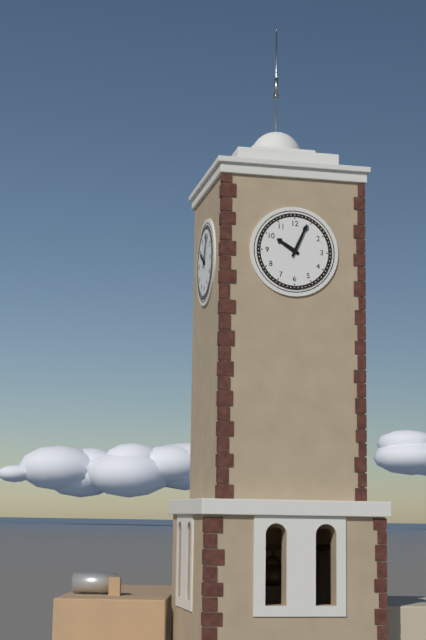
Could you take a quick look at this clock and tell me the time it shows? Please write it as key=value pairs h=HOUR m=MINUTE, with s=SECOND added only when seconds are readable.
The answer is h=10 m=4
